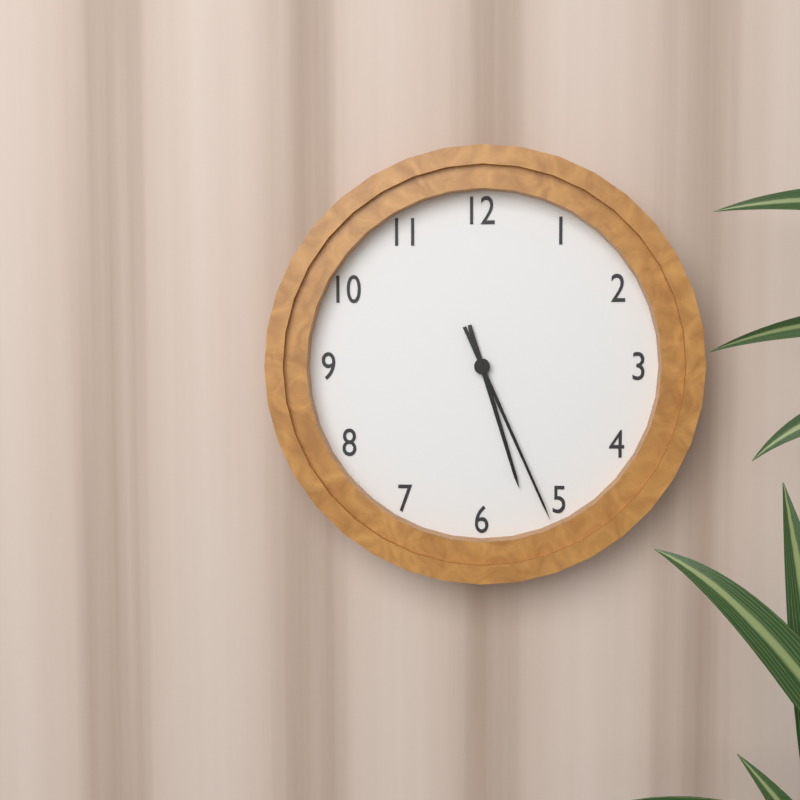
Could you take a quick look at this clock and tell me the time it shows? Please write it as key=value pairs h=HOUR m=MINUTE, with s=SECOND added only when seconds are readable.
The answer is h=5 m=26
